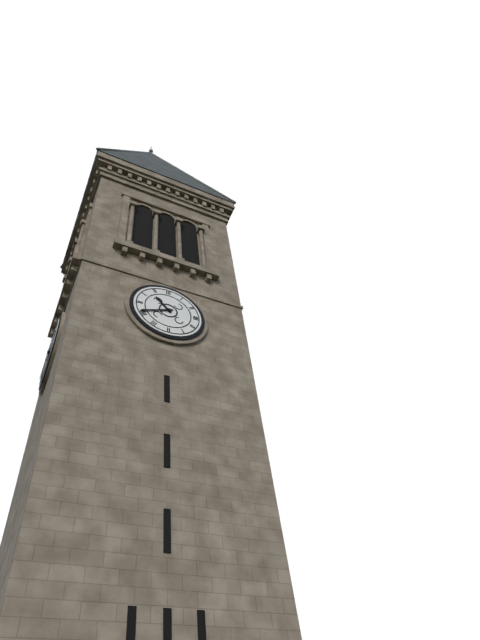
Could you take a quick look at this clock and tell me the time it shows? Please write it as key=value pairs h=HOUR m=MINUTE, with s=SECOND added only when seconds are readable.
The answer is h=10 m=41
